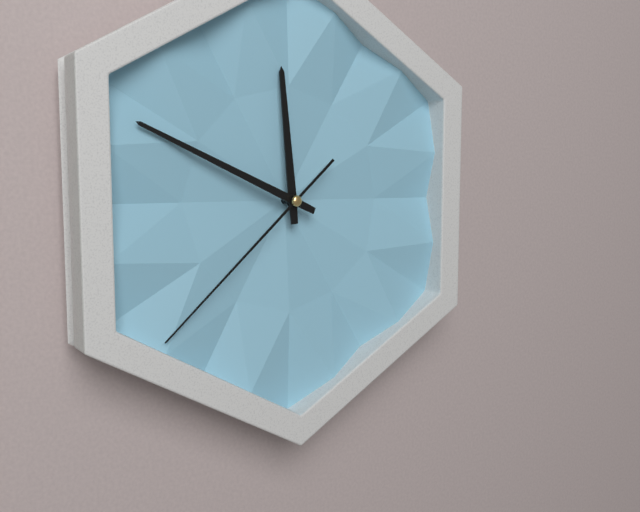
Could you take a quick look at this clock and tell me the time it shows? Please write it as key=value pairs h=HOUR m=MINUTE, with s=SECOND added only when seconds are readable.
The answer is h=11 m=49 s=38
